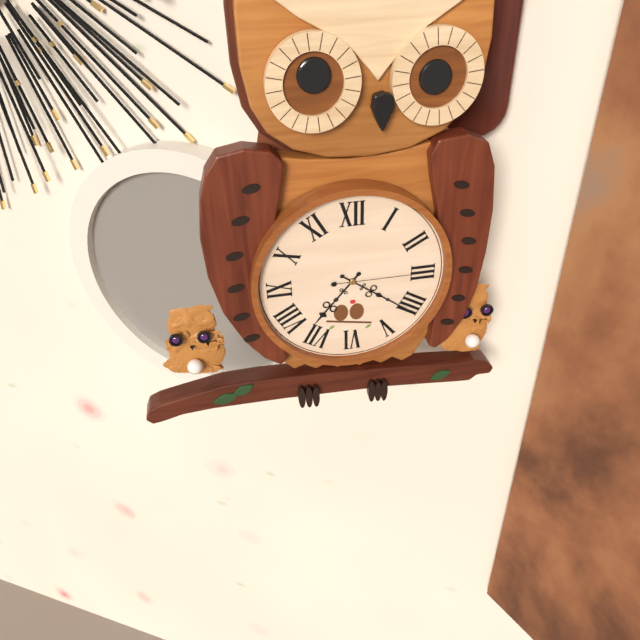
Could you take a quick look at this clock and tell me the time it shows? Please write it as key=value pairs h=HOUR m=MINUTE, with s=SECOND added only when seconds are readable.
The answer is h=7 m=21 s=15
